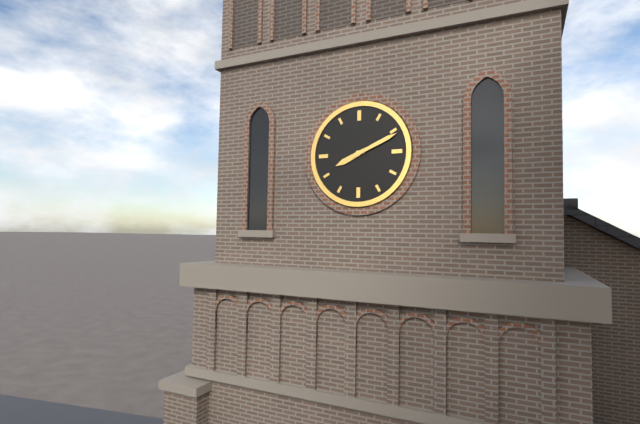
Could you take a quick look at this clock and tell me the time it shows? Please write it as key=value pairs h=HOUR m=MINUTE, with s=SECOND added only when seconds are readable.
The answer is h=8 m=11
